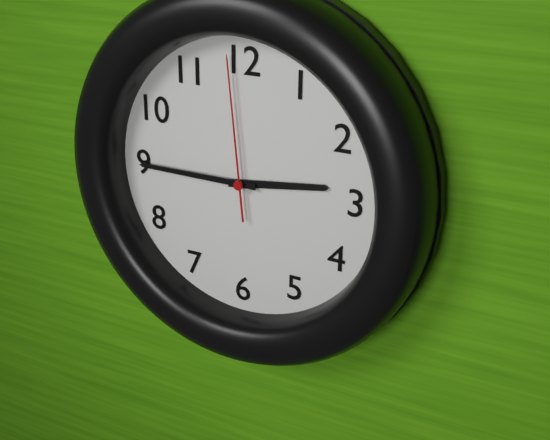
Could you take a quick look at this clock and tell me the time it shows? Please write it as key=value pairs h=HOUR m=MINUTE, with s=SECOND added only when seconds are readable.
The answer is h=2 m=45 s=59
